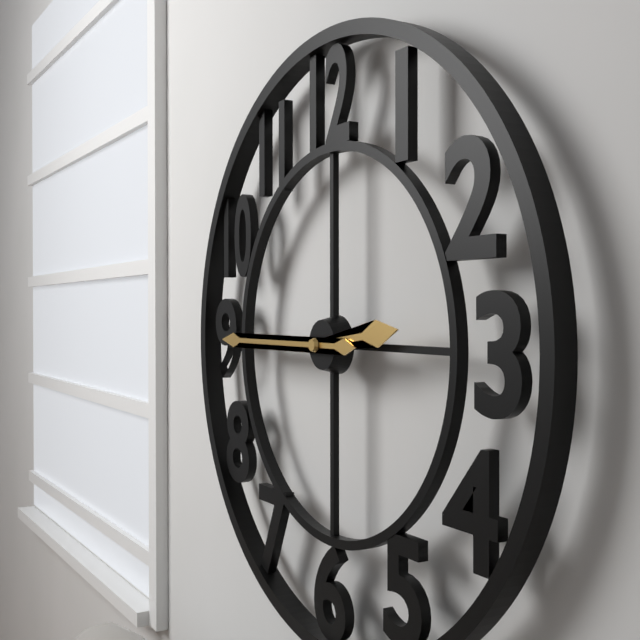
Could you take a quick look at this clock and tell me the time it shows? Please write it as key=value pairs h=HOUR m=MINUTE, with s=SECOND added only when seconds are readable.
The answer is h=2 m=45
